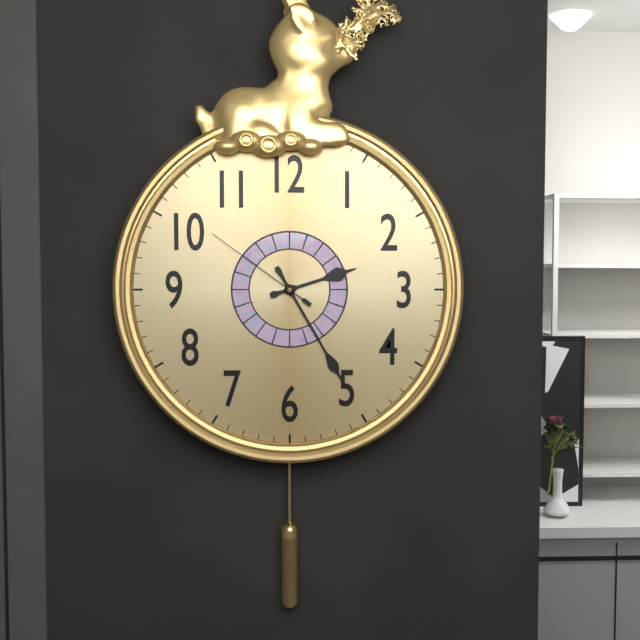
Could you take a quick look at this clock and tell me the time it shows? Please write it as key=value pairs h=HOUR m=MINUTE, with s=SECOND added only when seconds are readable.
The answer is h=2 m=25 s=51
